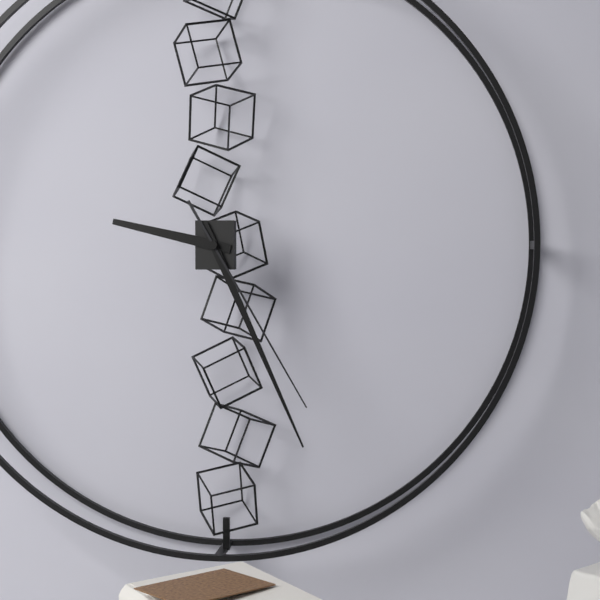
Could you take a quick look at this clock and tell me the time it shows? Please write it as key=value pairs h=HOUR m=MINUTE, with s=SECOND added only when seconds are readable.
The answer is h=9 m=26 s=25
